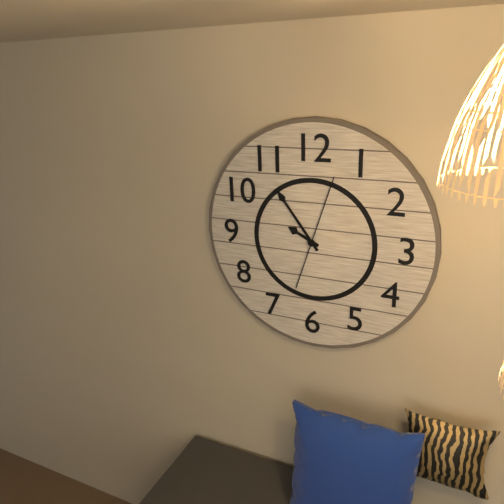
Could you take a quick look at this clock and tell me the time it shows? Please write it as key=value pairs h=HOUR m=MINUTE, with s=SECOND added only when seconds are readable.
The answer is h=9 m=54 s=3
